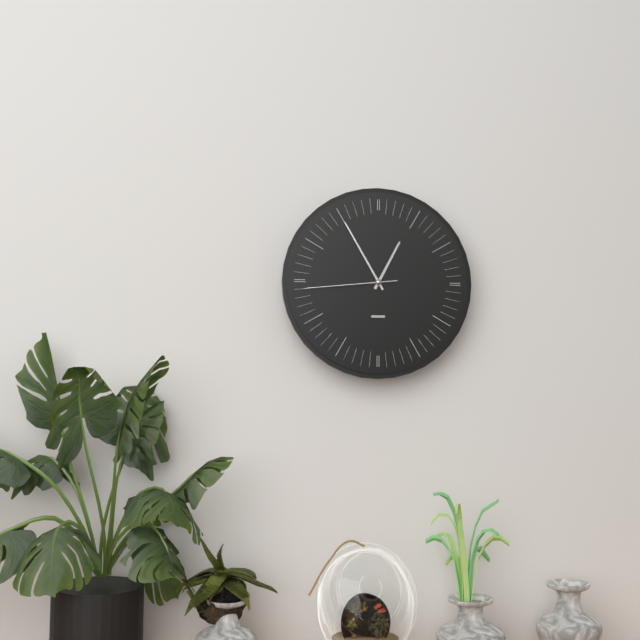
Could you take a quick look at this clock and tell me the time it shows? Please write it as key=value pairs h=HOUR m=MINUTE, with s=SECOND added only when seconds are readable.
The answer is h=12 m=55 s=44
